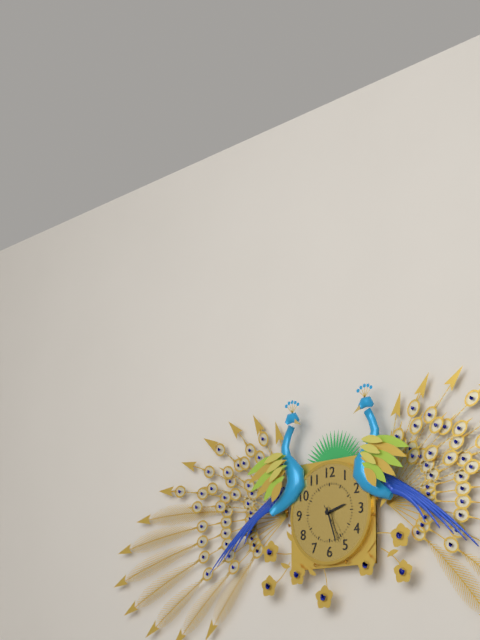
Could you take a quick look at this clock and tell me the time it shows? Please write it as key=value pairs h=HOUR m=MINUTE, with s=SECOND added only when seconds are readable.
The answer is h=2 m=27
